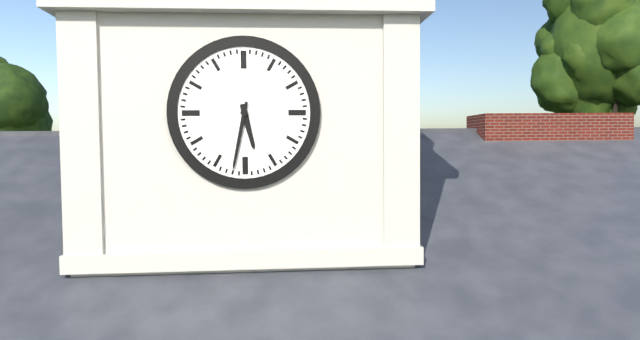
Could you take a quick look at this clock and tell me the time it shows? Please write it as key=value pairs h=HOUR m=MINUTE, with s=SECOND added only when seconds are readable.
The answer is h=5 m=32
